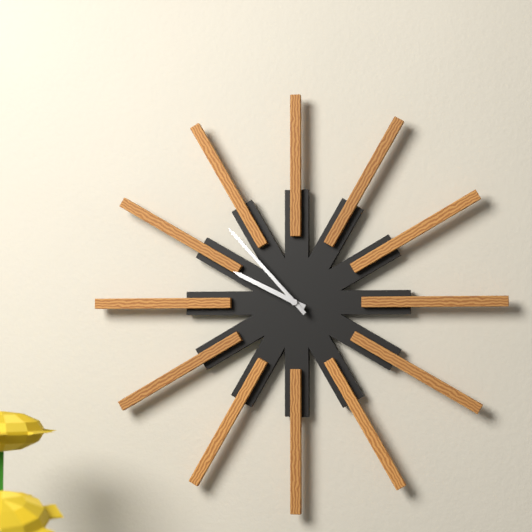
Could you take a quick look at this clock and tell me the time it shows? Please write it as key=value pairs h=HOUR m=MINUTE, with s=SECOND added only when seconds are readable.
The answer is h=9 m=53
